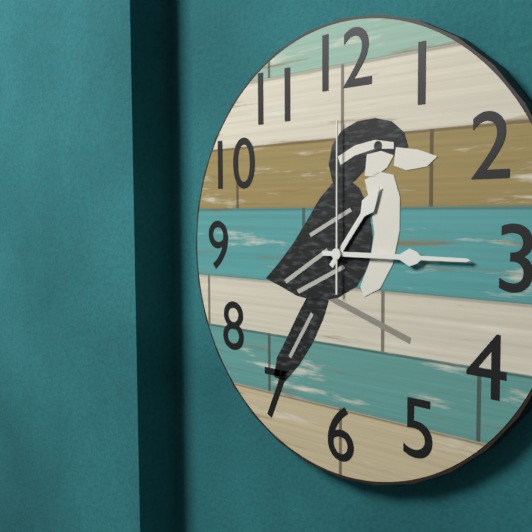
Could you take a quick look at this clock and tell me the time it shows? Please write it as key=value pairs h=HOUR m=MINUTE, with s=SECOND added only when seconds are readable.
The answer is h=1 m=15 s=0
